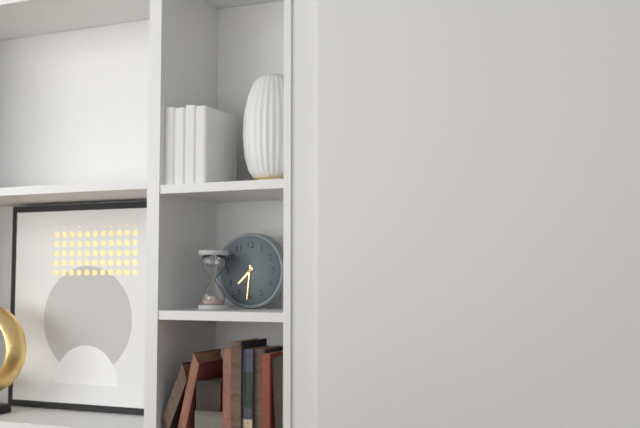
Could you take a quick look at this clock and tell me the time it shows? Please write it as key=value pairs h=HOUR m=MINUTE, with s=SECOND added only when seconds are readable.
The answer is h=7 m=31
